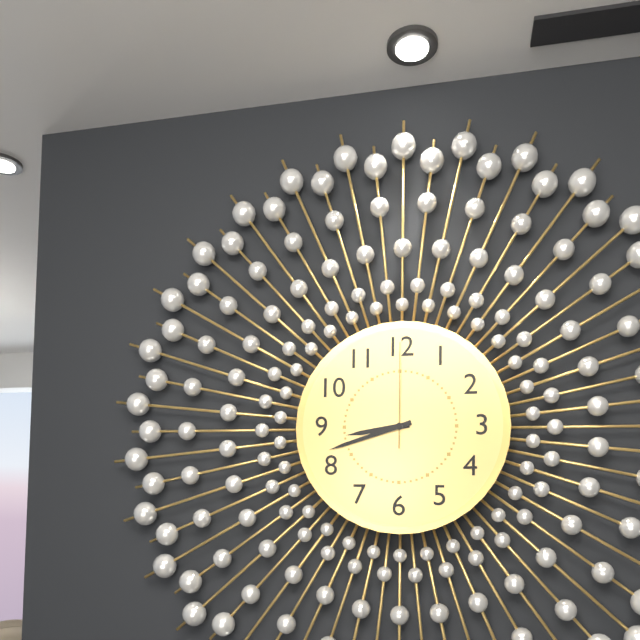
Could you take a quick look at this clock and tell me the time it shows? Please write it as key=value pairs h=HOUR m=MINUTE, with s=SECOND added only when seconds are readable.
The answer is h=8 m=42 s=0
